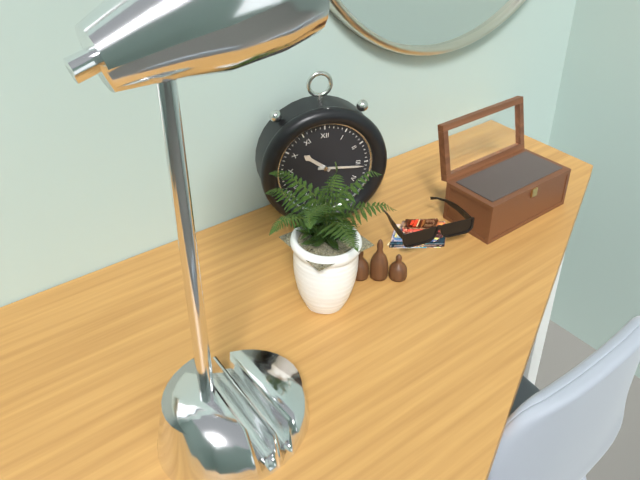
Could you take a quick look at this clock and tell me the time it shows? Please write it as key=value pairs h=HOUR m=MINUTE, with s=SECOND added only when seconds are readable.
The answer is h=10 m=16
